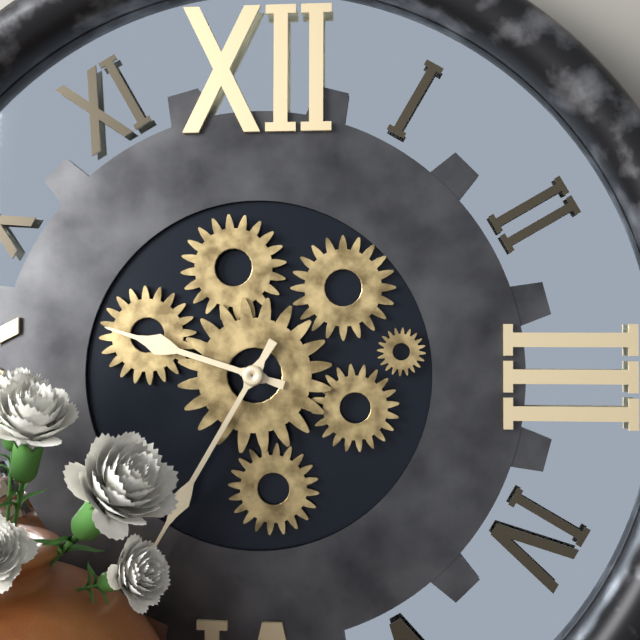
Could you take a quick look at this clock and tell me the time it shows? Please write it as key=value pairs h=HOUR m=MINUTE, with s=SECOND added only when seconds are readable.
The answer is h=9 m=35
